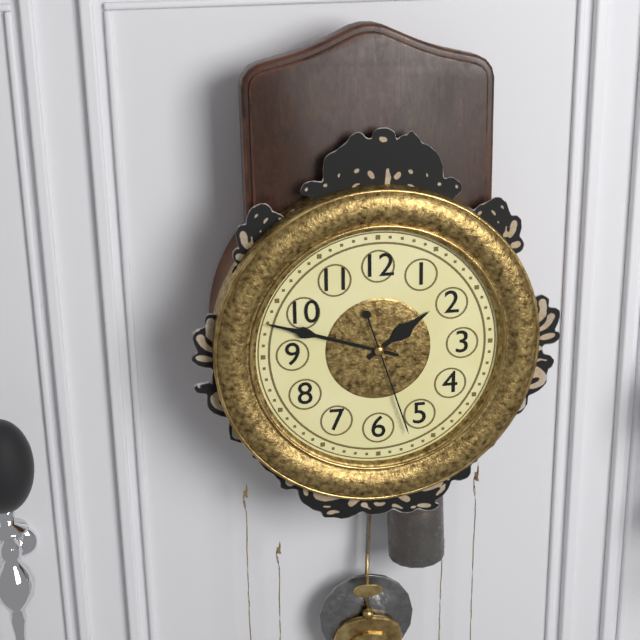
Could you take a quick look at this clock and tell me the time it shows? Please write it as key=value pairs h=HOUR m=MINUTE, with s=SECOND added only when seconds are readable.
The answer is h=1 m=48 s=27
